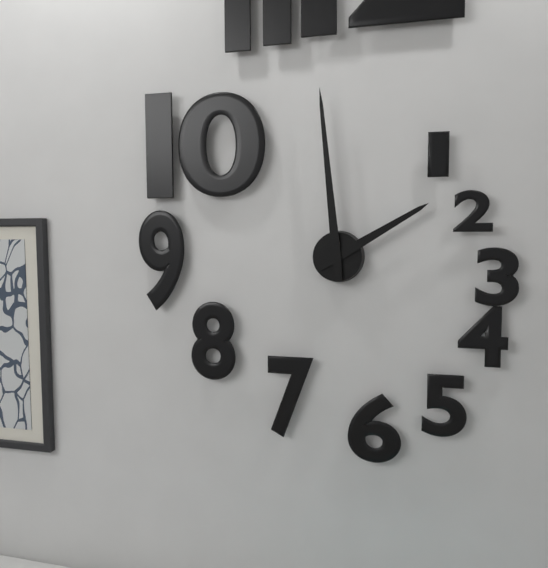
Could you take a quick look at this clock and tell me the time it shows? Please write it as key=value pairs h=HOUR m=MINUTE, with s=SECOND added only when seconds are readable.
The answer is h=1 m=59
